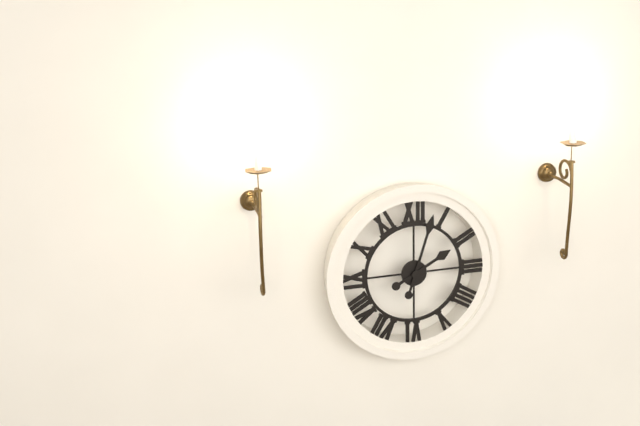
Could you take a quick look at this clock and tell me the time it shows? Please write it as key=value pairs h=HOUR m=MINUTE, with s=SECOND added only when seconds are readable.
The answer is h=2 m=3
